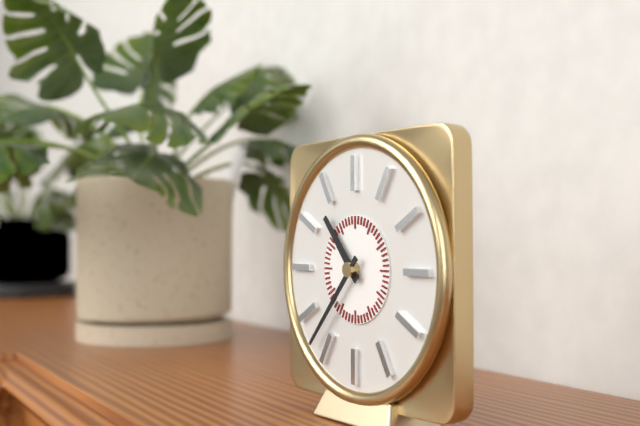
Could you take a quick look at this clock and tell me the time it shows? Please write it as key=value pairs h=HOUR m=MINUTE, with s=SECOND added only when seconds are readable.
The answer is h=10 m=37
